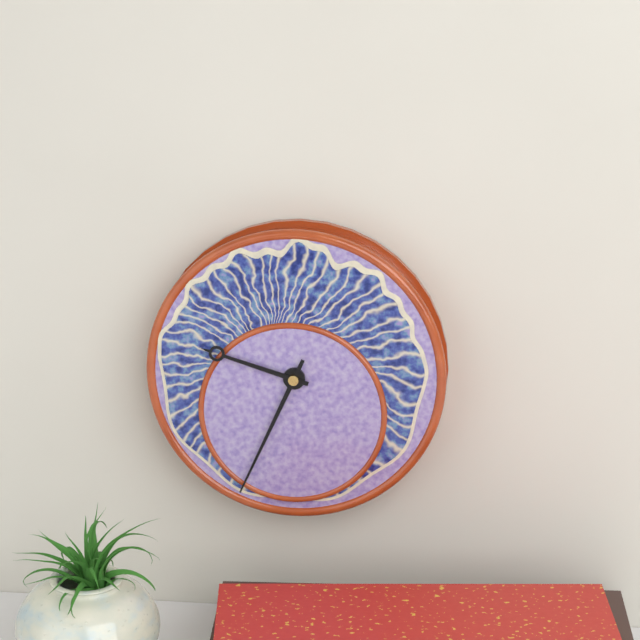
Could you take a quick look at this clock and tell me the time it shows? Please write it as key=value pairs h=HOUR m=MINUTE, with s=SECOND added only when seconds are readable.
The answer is h=9 m=34
